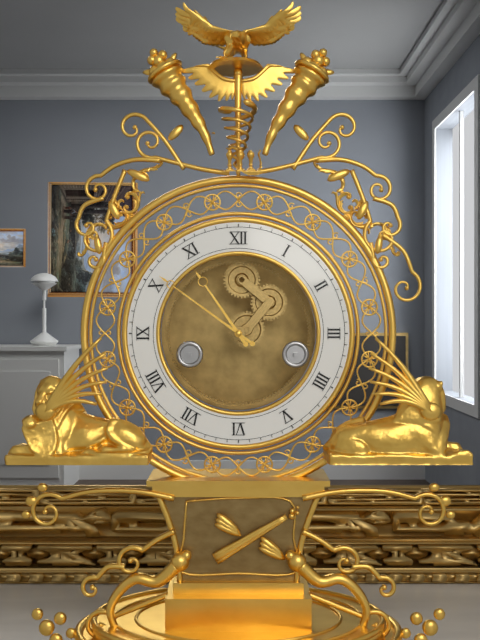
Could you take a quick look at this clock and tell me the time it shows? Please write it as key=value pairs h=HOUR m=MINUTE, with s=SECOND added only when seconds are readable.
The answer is h=10 m=51
